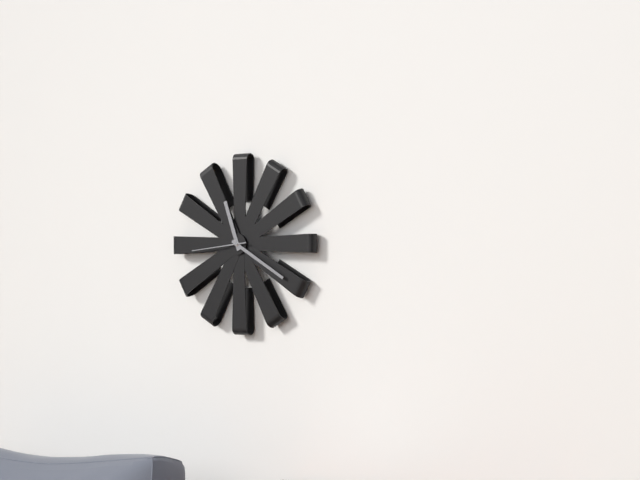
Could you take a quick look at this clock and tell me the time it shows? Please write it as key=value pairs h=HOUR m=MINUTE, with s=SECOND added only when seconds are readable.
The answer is h=11 m=20 s=44
